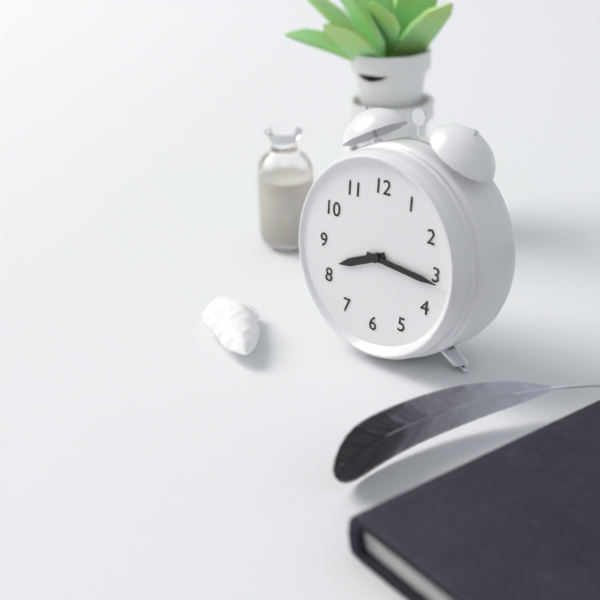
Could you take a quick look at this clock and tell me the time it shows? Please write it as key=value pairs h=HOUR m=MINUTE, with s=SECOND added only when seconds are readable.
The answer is h=8 m=16
